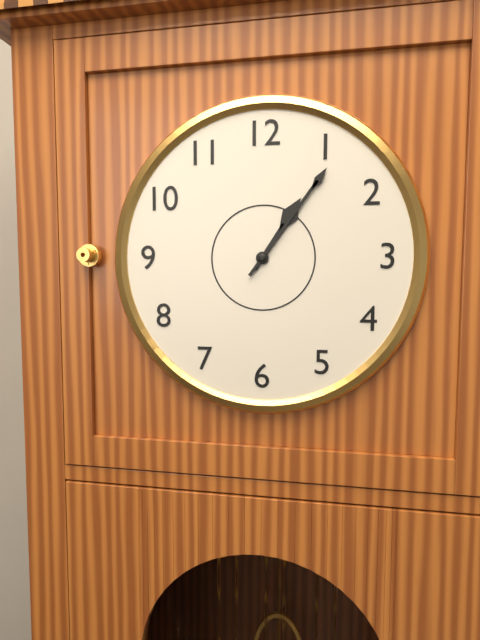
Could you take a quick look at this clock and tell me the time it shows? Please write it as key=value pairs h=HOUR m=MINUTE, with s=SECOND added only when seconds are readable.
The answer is h=1 m=6
